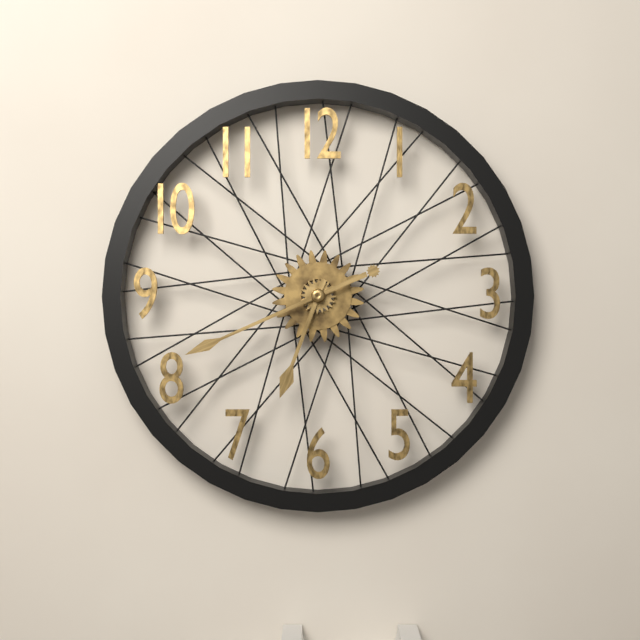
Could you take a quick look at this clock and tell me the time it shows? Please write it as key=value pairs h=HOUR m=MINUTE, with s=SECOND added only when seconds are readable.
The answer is h=6 m=41
